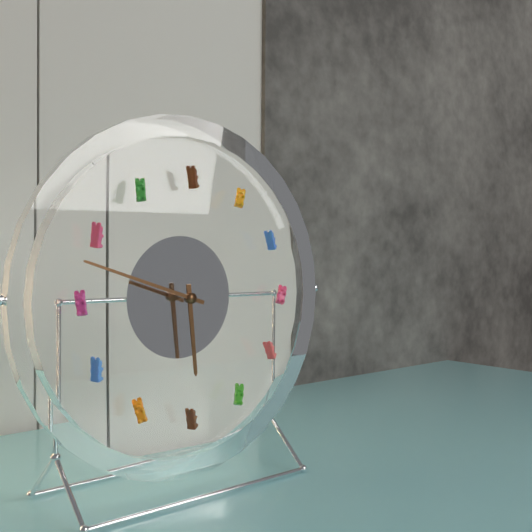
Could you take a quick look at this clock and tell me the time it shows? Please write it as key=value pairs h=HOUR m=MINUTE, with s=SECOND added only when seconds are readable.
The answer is h=5 m=48
